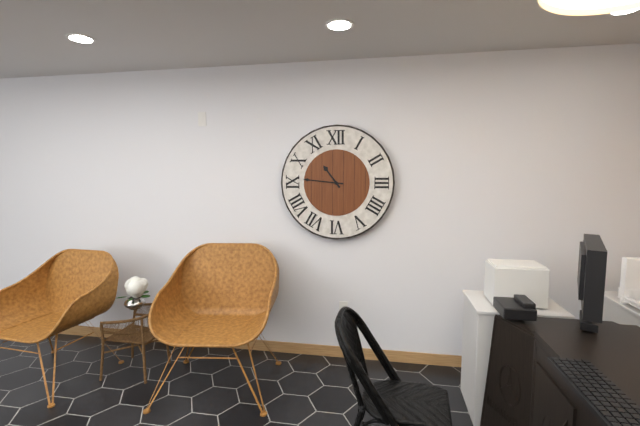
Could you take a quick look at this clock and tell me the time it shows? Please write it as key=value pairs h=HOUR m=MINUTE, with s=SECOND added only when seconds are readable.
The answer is h=10 m=46
